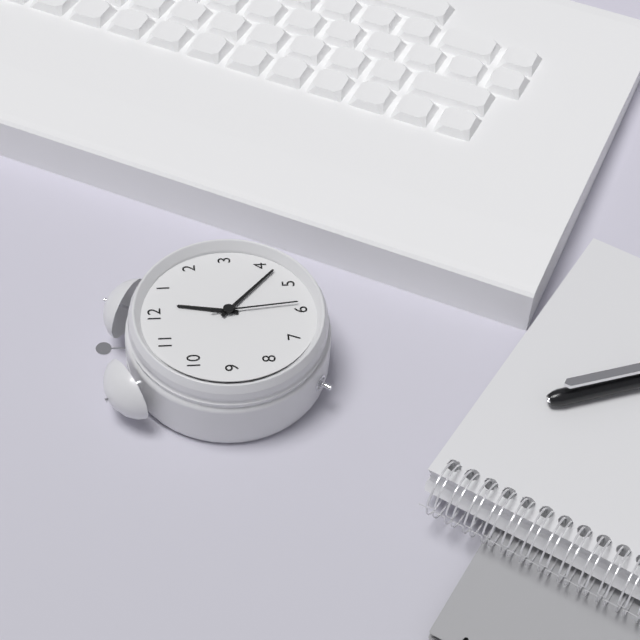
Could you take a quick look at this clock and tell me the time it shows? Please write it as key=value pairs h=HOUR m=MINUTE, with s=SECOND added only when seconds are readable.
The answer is h=12 m=22 s=29
